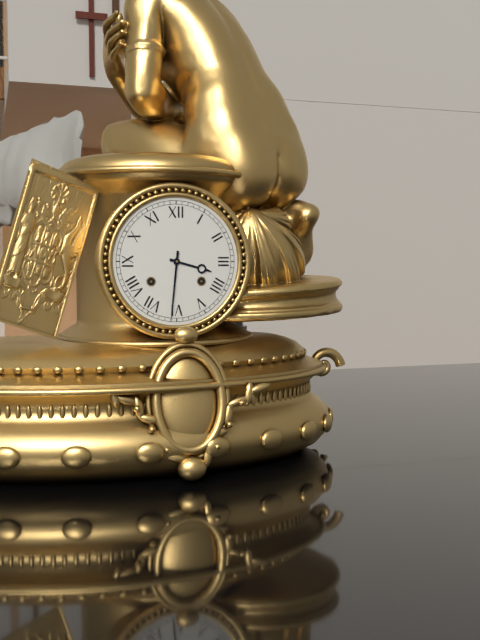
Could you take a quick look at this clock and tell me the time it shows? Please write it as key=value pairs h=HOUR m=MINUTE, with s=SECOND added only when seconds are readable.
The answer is h=3 m=31
